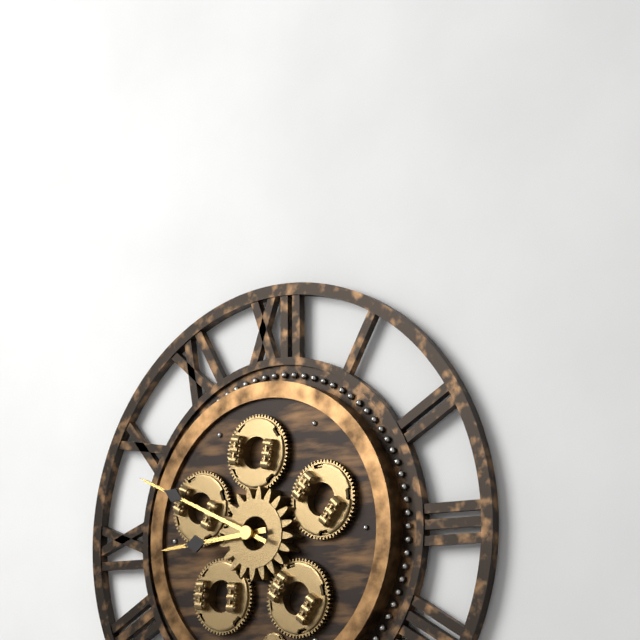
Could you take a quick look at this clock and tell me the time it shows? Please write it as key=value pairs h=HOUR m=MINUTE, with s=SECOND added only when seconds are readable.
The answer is h=8 m=49
